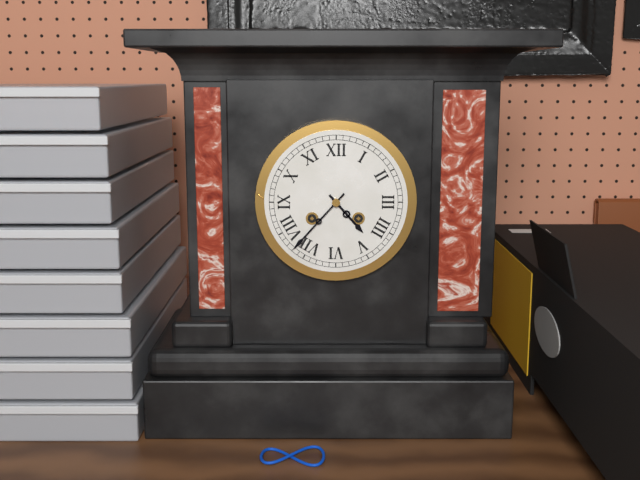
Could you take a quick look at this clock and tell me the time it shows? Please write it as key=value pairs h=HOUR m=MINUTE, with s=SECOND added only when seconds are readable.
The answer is h=4 m=37
